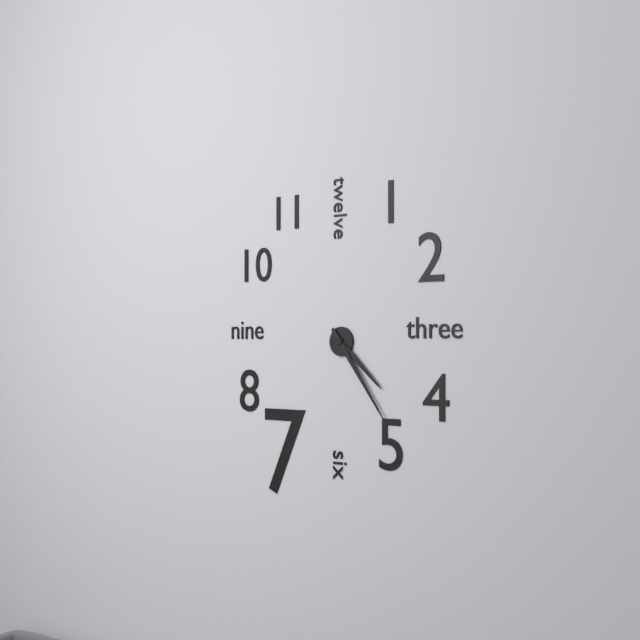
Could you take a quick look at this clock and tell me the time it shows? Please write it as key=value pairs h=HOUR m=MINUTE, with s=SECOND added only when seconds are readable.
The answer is h=4 m=24
